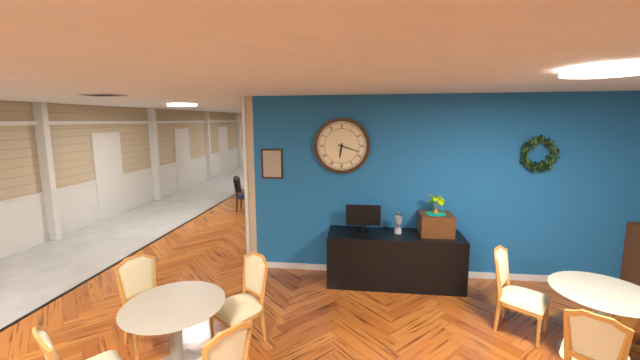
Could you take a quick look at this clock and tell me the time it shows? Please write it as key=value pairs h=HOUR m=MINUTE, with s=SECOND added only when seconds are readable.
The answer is h=6 m=18
